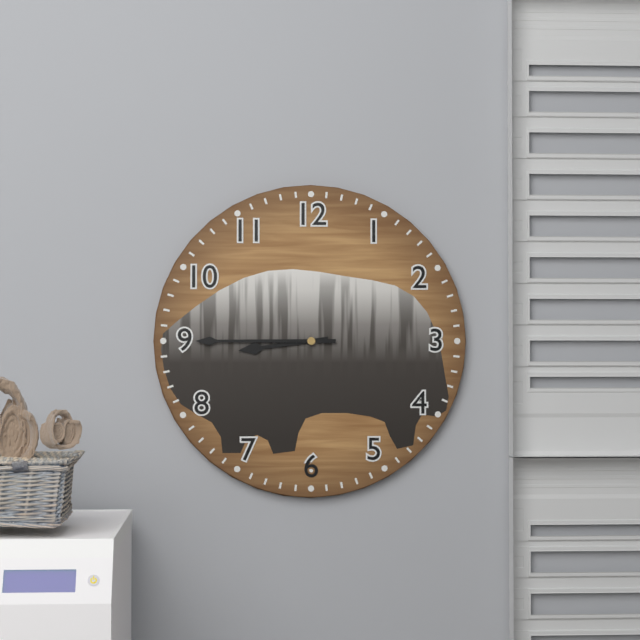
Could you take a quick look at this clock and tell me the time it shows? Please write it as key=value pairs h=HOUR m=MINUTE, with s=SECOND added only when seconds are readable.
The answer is h=8 m=45
